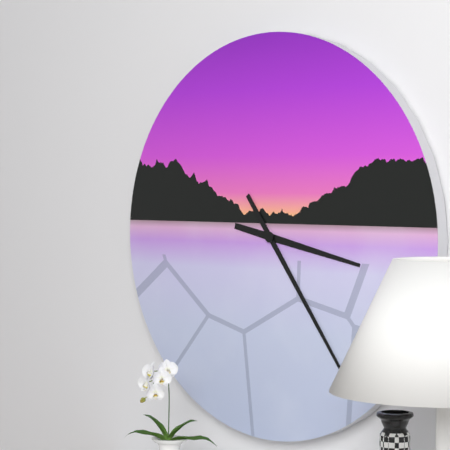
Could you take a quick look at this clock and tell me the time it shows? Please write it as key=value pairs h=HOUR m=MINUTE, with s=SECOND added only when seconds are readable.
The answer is h=3 m=24
